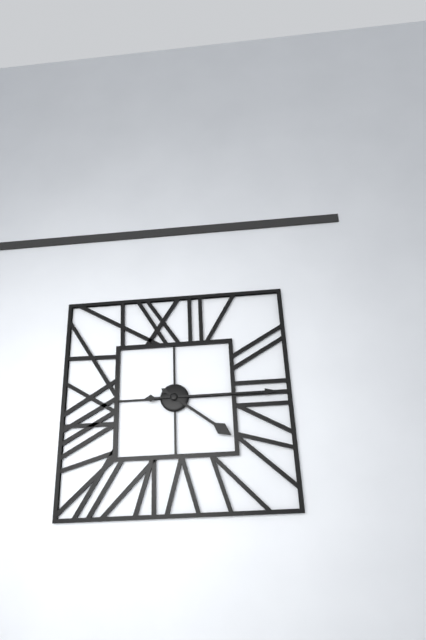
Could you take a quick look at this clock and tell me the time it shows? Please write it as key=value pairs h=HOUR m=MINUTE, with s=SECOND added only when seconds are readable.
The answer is h=4 m=15
